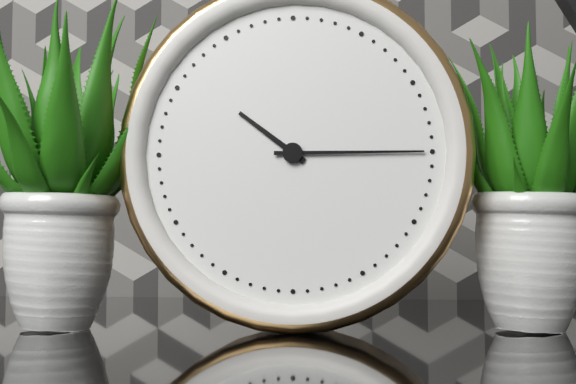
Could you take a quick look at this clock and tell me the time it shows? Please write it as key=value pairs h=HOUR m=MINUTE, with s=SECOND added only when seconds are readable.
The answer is h=10 m=15
